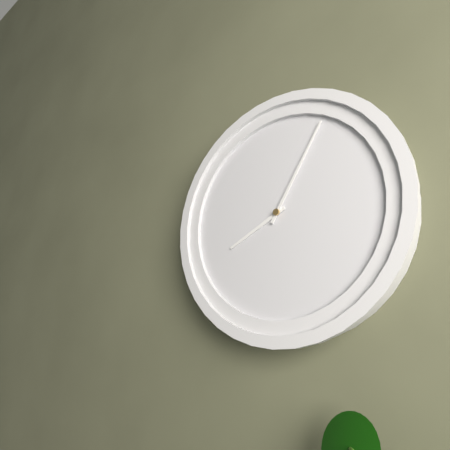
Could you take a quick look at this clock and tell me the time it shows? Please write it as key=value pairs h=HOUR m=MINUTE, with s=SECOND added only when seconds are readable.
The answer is h=8 m=5
